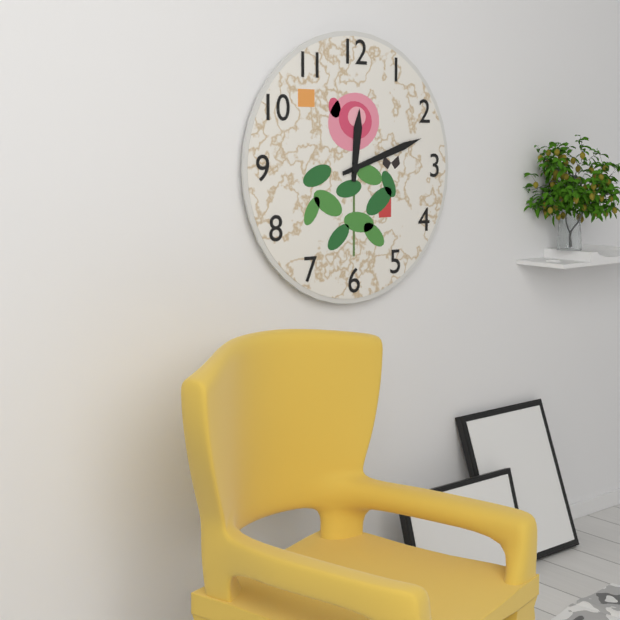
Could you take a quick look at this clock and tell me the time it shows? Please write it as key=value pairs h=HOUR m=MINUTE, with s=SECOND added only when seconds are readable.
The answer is h=12 m=12
